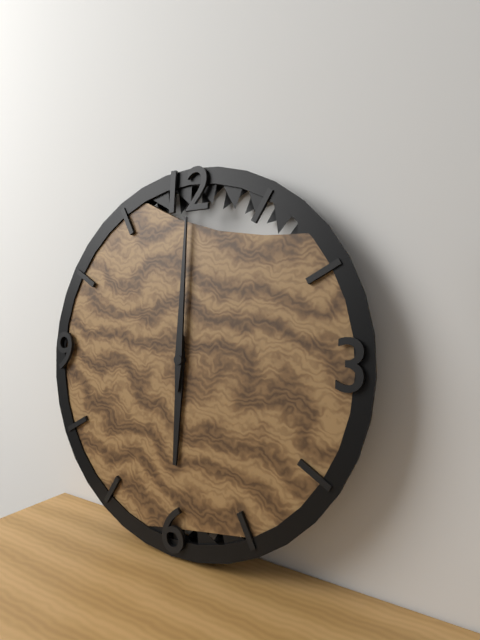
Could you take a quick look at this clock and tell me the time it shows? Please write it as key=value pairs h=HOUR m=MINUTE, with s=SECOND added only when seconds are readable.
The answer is h=6 m=0
